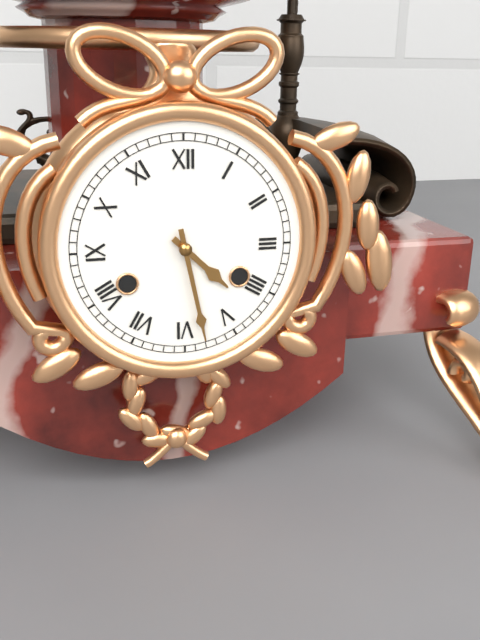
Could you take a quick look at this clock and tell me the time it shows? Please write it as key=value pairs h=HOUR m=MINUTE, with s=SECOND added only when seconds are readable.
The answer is h=4 m=28
